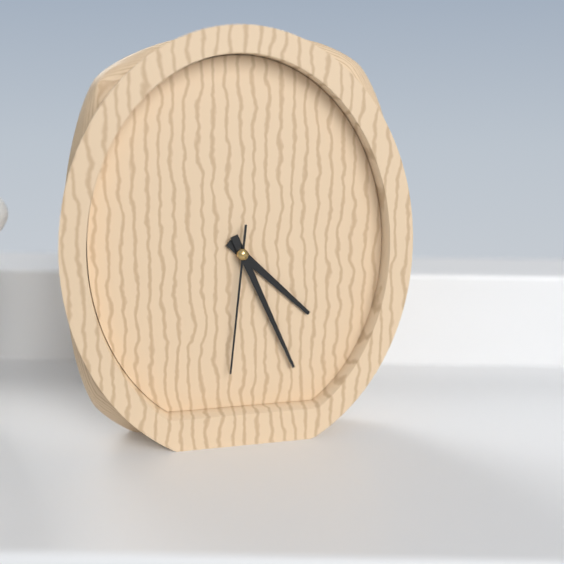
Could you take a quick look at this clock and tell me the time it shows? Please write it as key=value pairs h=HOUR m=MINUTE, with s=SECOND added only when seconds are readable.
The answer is h=4 m=26 s=31
